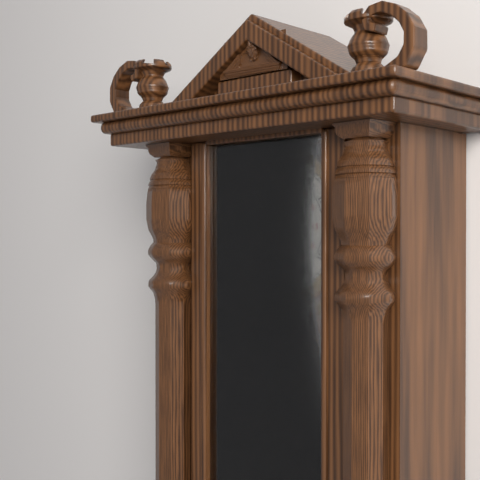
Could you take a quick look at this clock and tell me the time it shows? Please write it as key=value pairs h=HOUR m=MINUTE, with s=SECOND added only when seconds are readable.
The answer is h=11 m=56
